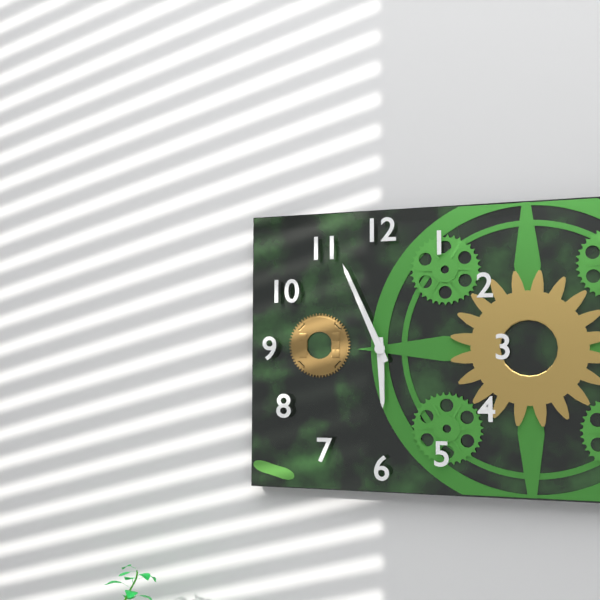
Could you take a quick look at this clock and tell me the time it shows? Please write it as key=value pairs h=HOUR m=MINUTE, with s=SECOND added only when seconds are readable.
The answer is h=5 m=56
